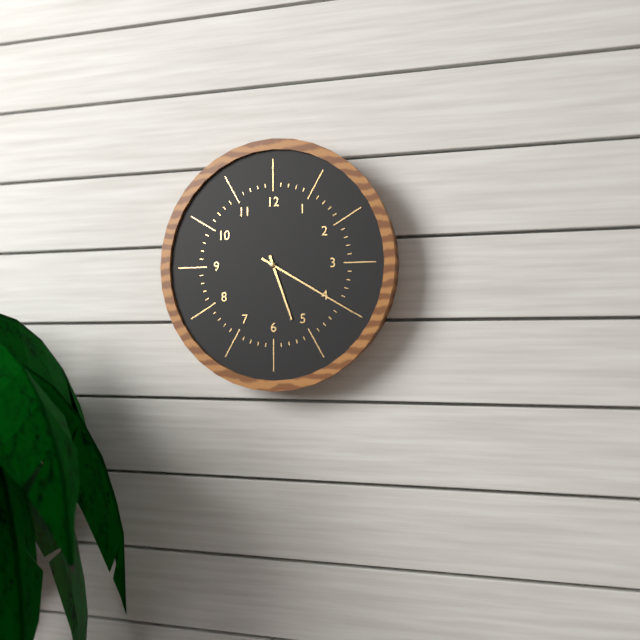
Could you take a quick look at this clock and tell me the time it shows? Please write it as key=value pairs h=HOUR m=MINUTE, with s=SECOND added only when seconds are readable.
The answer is h=5 m=20
